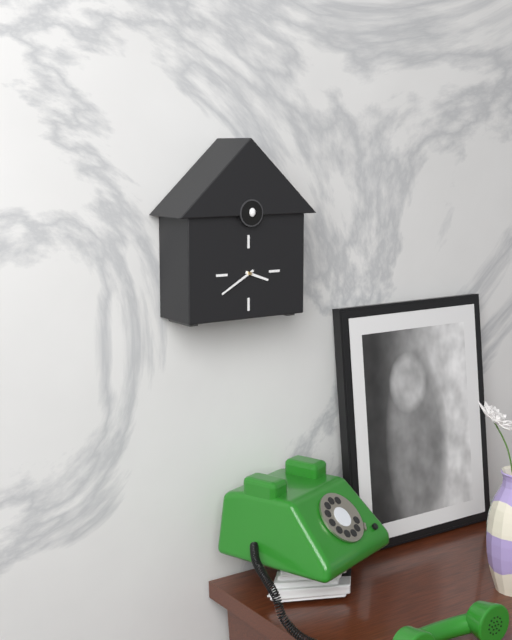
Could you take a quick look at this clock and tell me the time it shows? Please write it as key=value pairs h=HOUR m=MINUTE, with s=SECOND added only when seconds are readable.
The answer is h=3 m=40
